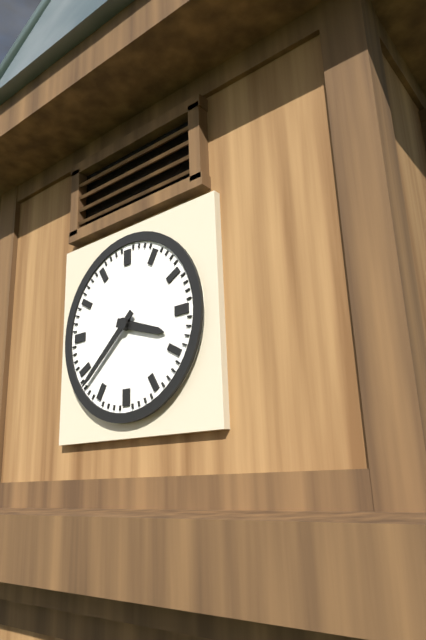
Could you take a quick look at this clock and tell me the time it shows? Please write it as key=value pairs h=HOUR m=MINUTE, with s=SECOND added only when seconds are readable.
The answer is h=3 m=38
